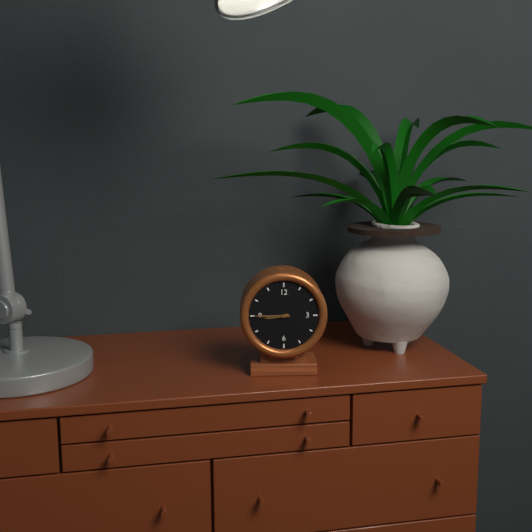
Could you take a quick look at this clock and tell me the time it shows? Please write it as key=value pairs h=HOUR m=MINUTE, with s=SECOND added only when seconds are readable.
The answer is h=8 m=45
